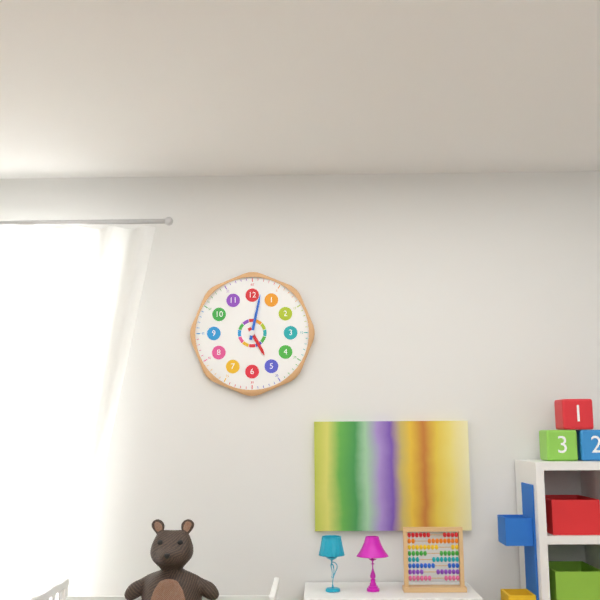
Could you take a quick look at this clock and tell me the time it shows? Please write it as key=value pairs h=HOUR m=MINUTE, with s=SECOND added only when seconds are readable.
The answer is h=5 m=2
